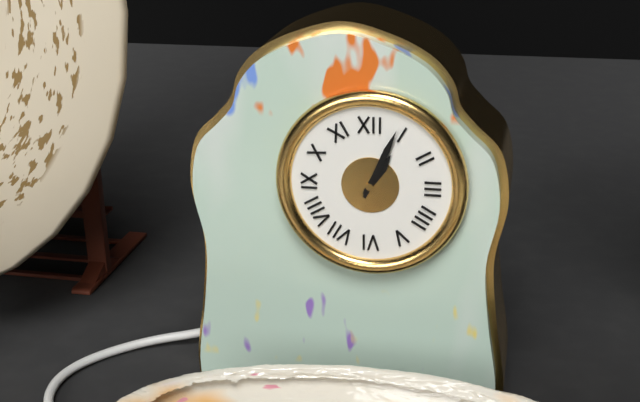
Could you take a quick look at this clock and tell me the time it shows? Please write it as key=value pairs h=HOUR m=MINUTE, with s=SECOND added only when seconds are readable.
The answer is h=1 m=4
